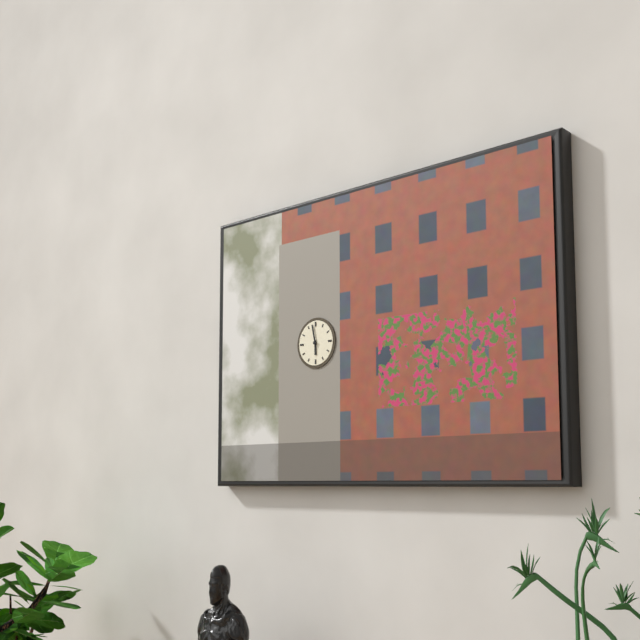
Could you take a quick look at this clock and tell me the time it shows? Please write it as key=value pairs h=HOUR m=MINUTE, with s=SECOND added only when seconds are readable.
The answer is h=5 m=58
